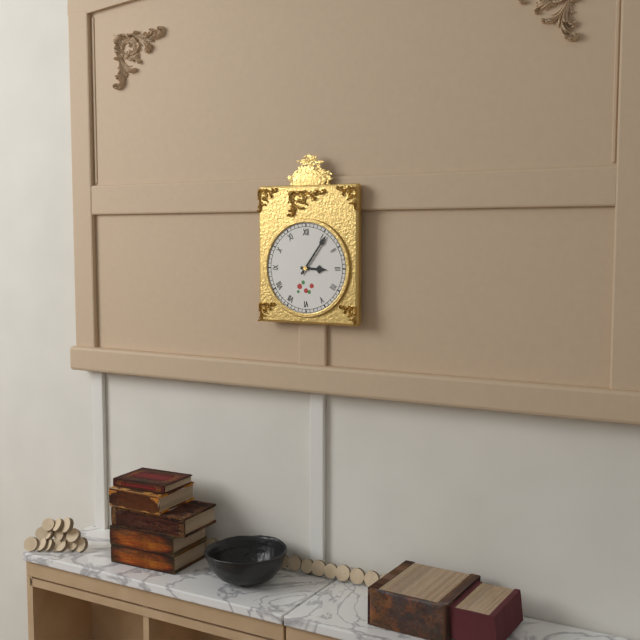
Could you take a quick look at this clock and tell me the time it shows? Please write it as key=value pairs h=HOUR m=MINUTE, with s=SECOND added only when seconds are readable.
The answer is h=3 m=6
